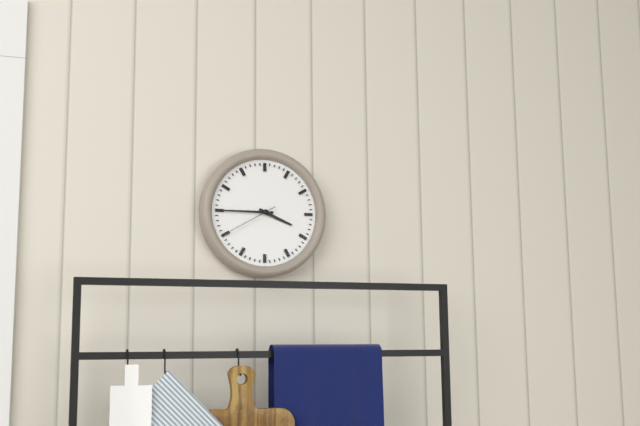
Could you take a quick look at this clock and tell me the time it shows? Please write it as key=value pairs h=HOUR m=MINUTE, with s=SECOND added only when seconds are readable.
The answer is h=3 m=45 s=40
